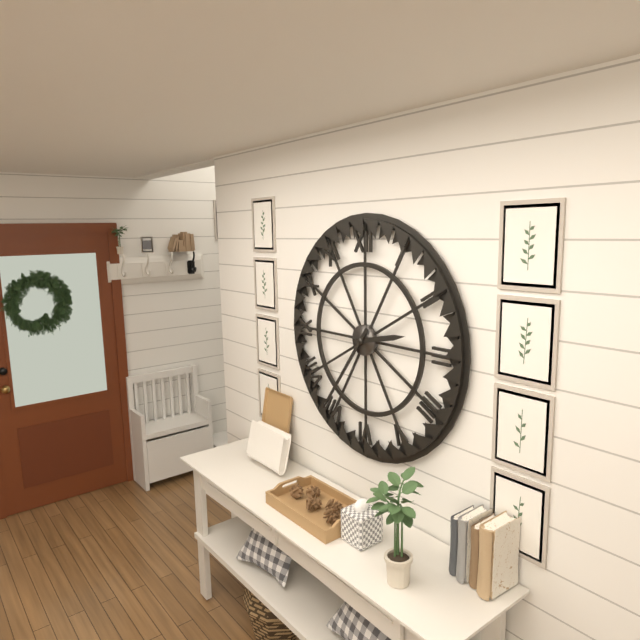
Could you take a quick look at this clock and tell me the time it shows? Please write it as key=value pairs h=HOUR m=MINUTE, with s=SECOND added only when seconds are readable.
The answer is h=2 m=36
